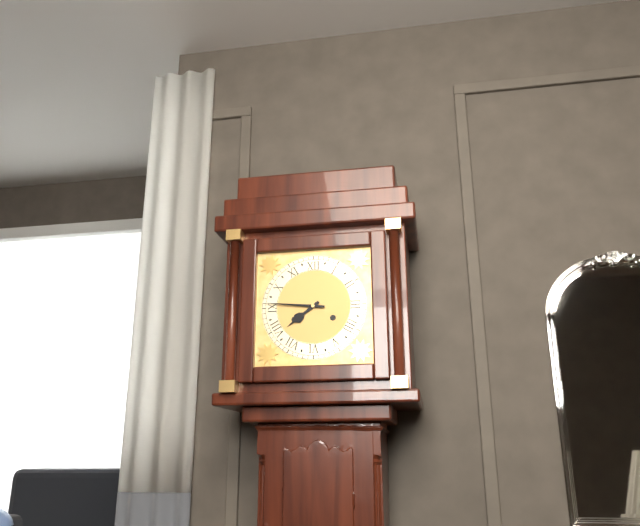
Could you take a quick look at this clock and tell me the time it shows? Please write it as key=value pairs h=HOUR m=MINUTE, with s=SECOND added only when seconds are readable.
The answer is h=7 m=46
